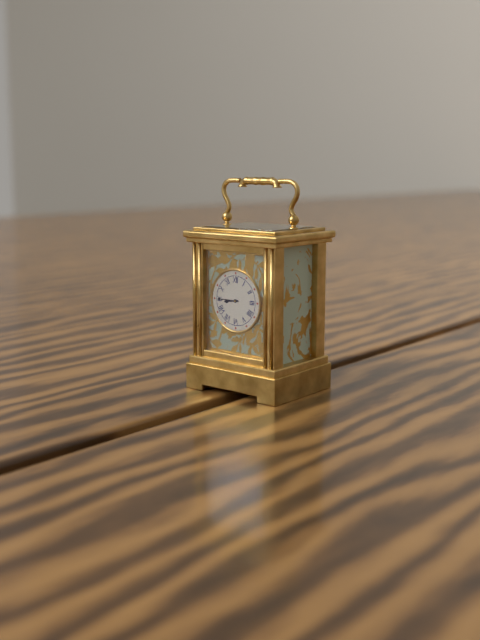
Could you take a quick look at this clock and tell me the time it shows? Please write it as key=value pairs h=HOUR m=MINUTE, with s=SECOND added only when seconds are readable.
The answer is h=8 m=45
